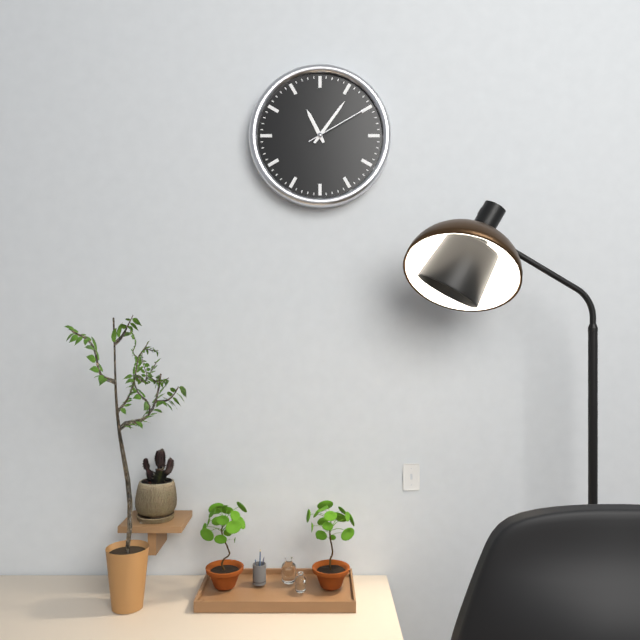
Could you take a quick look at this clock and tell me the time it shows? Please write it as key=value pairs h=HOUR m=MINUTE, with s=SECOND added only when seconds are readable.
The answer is h=11 m=6 s=10
